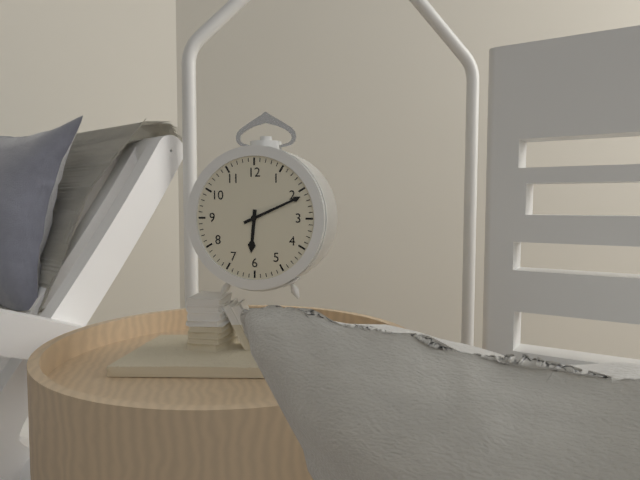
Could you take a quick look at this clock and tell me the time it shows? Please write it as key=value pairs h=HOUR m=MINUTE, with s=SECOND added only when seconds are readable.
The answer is h=6 m=11
